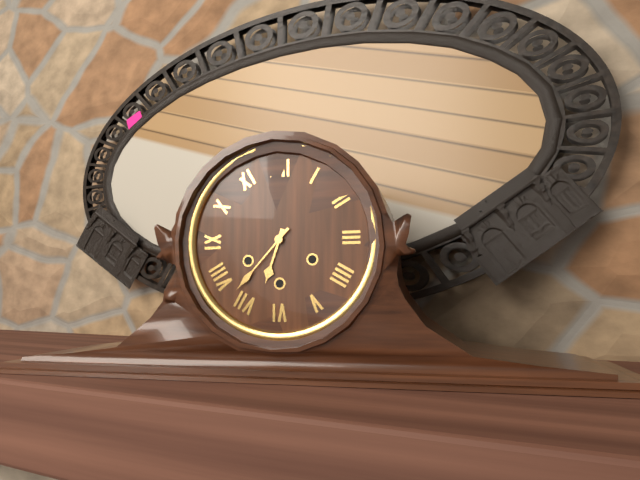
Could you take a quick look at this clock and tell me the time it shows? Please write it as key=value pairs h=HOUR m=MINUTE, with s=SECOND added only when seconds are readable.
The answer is h=6 m=37
